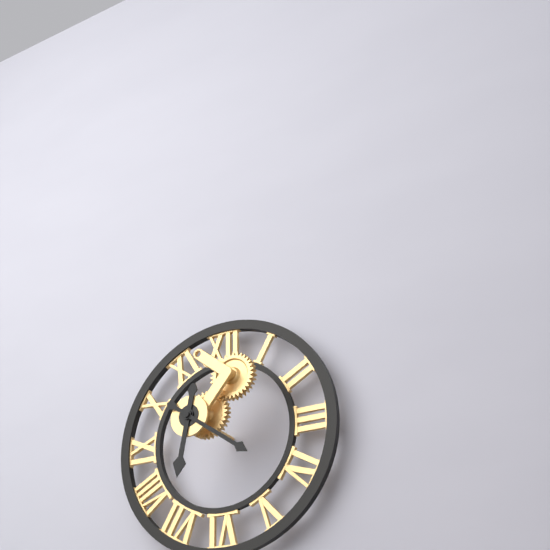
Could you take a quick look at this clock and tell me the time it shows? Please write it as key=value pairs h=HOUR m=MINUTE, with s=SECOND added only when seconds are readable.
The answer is h=6 m=21
